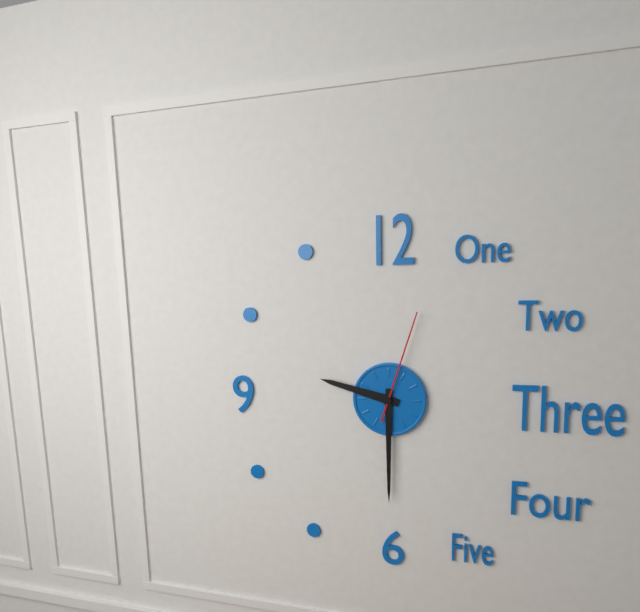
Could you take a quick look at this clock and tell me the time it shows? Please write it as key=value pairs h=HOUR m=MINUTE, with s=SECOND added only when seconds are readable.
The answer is h=9 m=30 s=3
